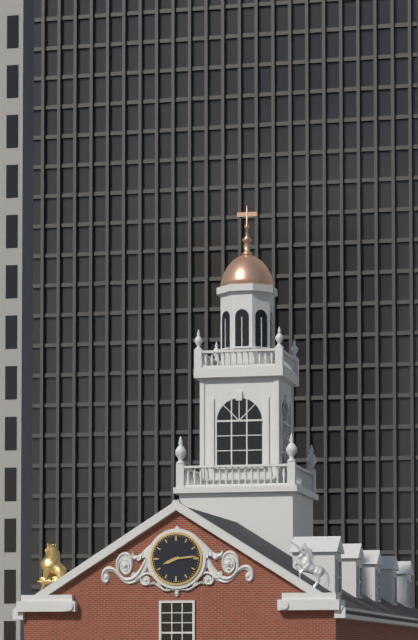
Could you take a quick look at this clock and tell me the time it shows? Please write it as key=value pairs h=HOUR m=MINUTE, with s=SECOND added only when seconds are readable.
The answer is h=8 m=14
